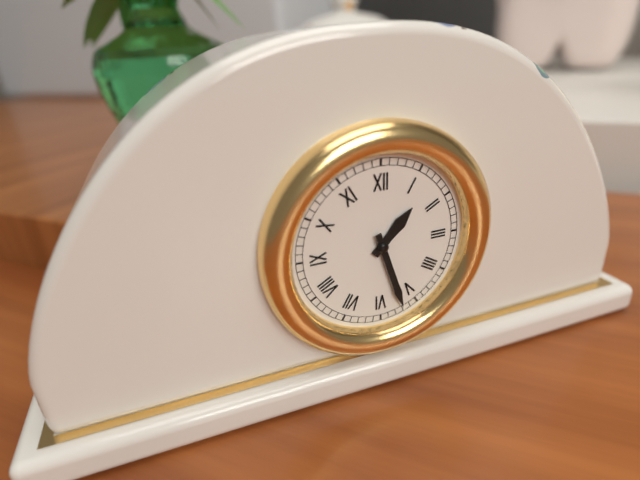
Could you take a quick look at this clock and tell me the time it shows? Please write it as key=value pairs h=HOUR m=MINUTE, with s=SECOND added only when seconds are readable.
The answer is h=1 m=27
